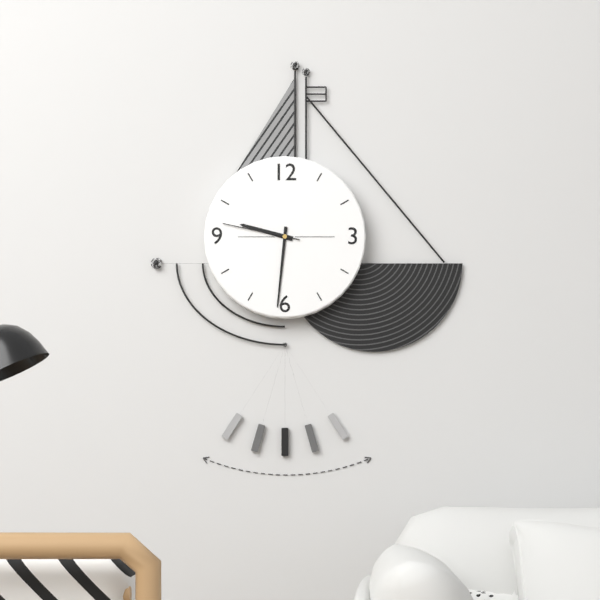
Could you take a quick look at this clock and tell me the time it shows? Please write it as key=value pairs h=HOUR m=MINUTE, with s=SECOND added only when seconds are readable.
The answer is h=9 m=31 s=47
